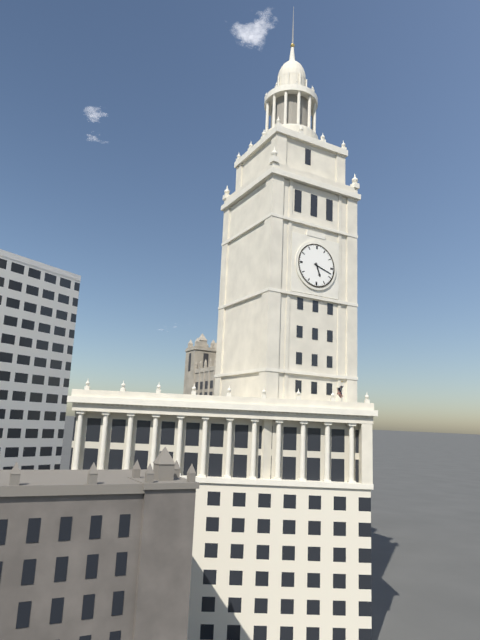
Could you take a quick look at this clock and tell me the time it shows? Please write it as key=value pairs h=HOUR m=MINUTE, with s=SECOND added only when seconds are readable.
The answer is h=5 m=18
